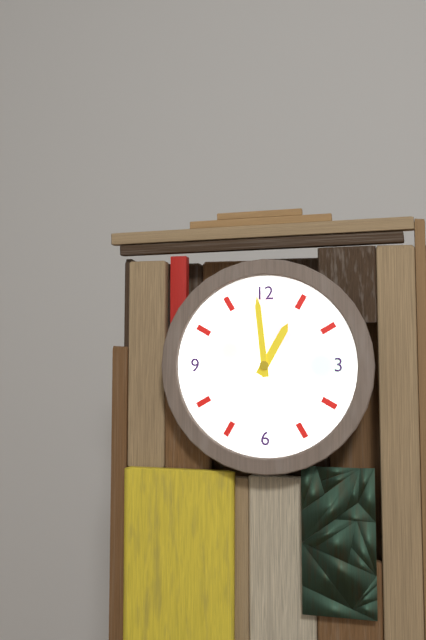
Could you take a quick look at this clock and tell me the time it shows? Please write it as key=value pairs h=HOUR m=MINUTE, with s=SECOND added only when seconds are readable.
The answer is h=12 m=59
